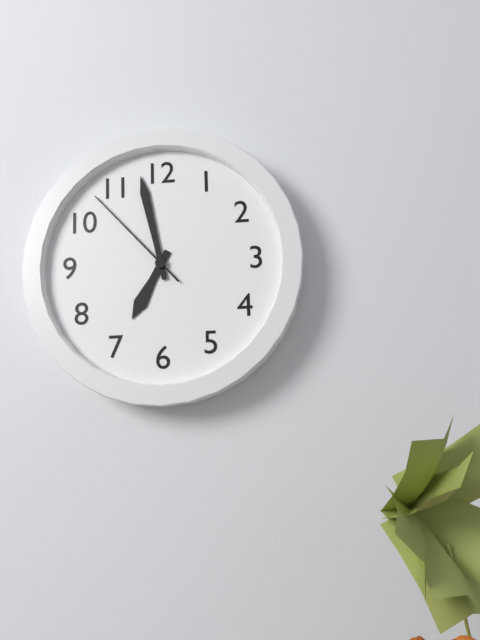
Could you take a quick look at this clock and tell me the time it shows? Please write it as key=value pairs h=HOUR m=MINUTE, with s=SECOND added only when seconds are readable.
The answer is h=6 m=58 s=53
